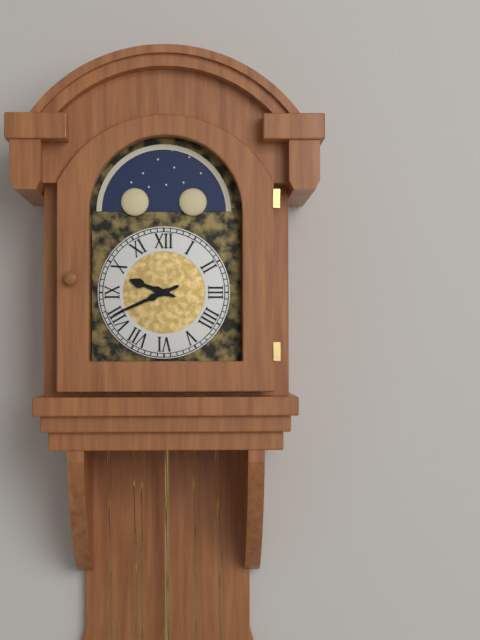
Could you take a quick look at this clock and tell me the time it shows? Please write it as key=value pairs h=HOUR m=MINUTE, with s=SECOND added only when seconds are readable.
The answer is h=9 m=41
